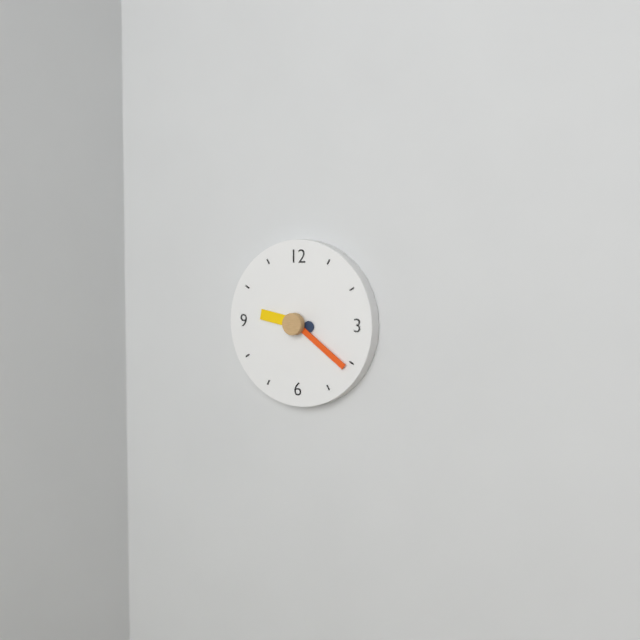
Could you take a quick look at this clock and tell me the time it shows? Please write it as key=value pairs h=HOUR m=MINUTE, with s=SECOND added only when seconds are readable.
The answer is h=9 m=21
